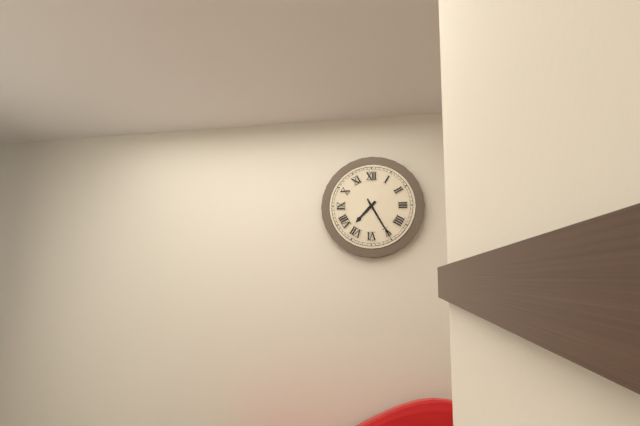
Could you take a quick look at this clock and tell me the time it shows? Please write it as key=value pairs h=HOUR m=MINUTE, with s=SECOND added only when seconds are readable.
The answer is h=7 m=25
